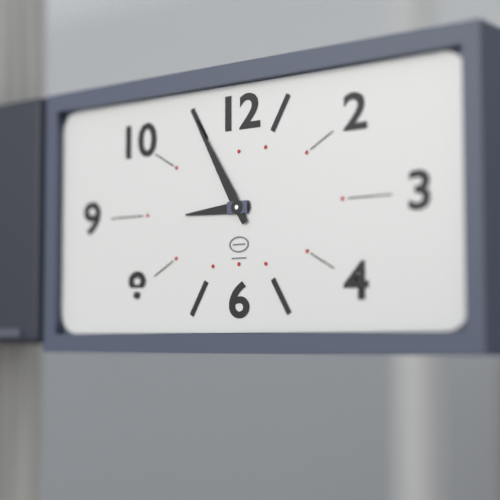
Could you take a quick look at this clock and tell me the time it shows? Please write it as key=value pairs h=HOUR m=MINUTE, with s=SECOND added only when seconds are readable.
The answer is h=8 m=55
